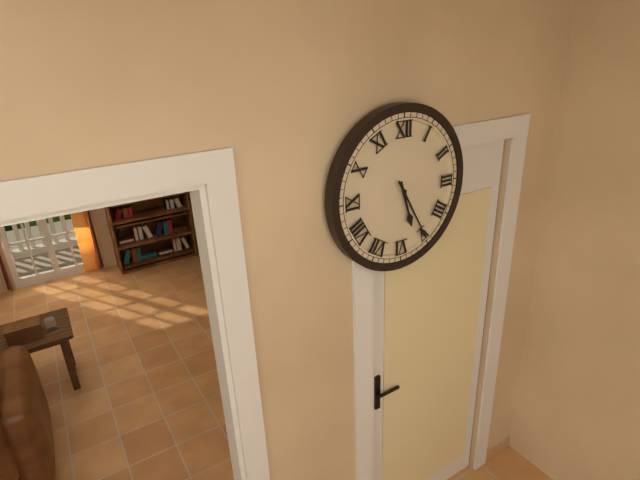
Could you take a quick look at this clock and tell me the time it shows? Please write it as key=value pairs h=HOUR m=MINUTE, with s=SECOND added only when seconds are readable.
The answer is h=5 m=25
